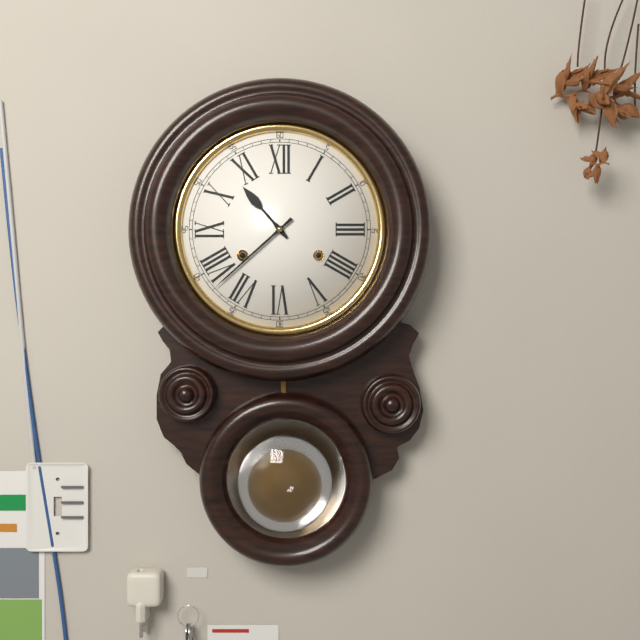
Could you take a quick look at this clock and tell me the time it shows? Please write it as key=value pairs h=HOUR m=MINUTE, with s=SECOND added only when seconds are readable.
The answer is h=10 m=38
